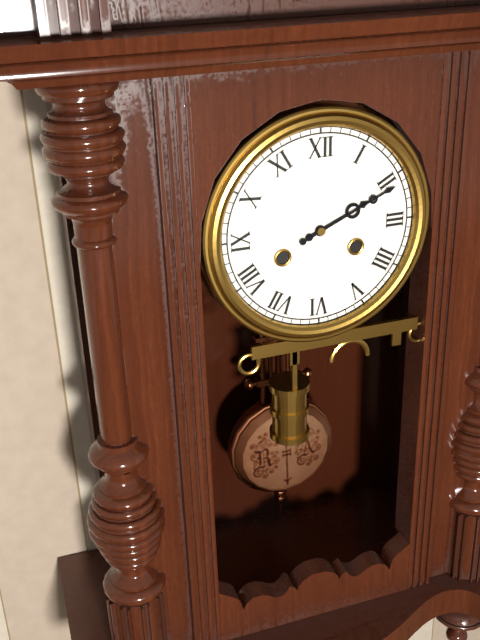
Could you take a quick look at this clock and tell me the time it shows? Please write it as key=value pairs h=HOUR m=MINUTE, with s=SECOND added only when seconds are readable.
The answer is h=2 m=11
